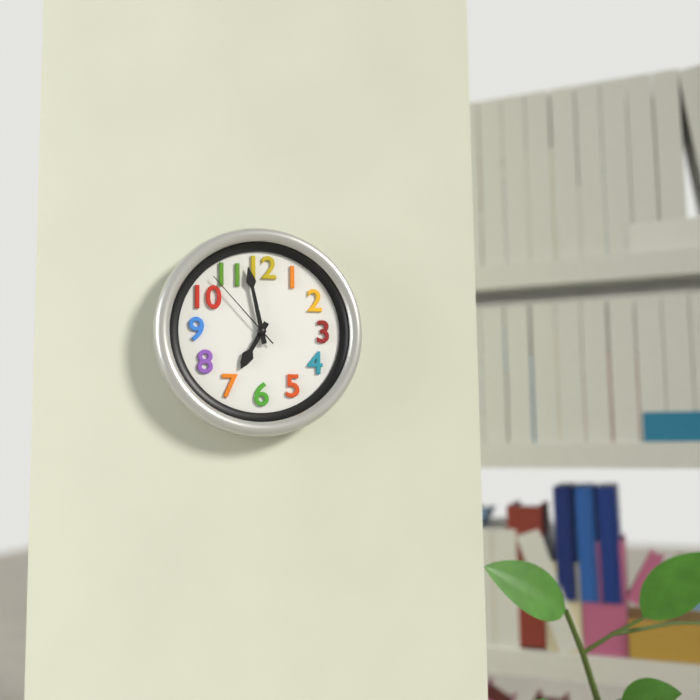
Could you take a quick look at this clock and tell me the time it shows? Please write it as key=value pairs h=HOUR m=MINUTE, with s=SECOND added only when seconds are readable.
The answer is h=6 m=58 s=53
